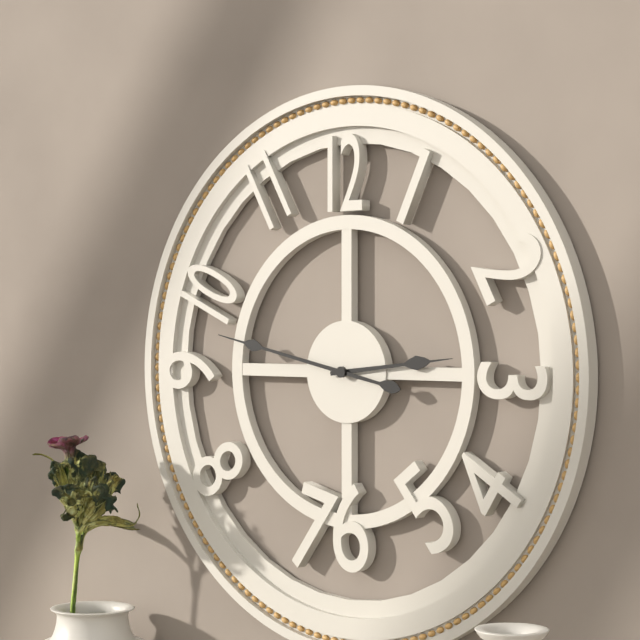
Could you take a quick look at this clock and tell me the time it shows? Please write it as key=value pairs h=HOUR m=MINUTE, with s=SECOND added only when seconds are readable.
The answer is h=2 m=47
